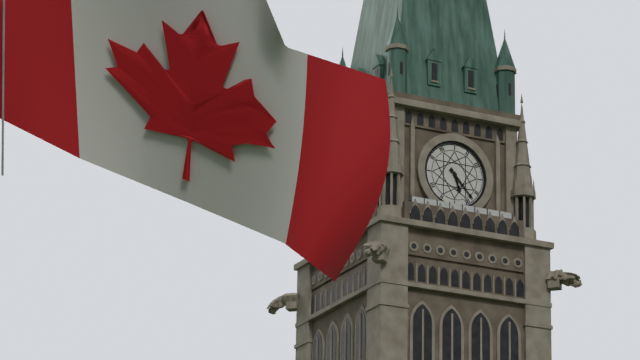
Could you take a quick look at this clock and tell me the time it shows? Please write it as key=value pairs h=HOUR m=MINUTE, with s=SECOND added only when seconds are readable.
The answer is h=5 m=23
